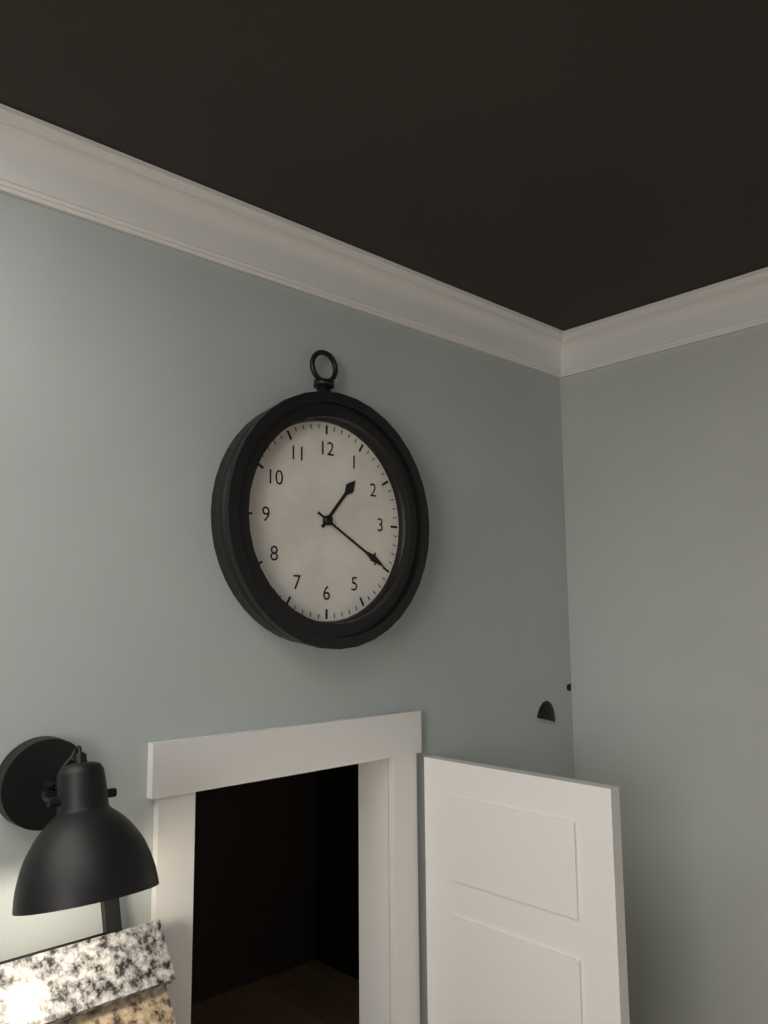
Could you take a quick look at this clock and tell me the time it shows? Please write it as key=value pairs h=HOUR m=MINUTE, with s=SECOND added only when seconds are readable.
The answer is h=1 m=20
